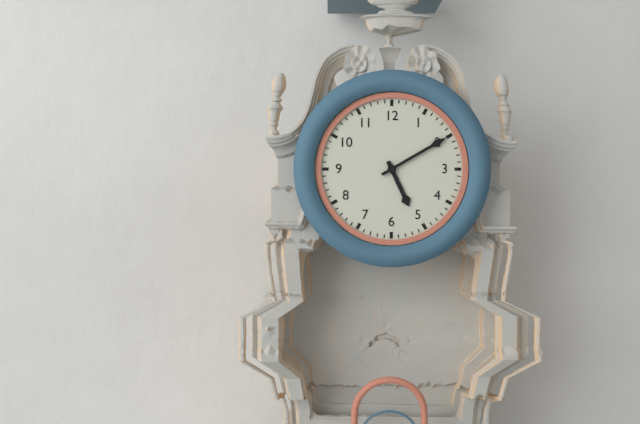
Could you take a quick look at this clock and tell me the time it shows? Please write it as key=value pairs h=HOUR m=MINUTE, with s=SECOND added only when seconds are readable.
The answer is h=5 m=10
